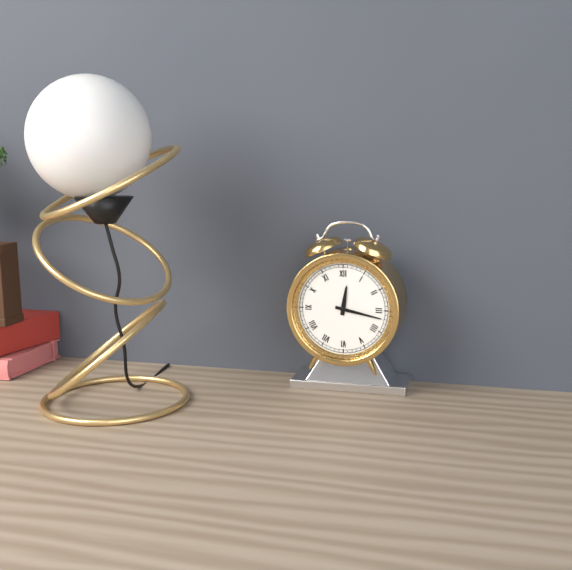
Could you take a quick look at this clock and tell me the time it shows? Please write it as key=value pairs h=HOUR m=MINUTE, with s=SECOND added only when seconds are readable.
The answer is h=12 m=17
